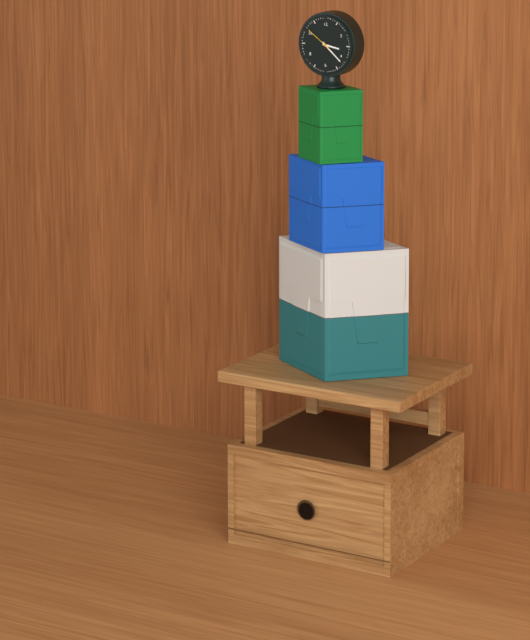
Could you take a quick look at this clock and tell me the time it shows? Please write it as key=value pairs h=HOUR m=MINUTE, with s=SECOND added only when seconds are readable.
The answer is h=3 m=22
